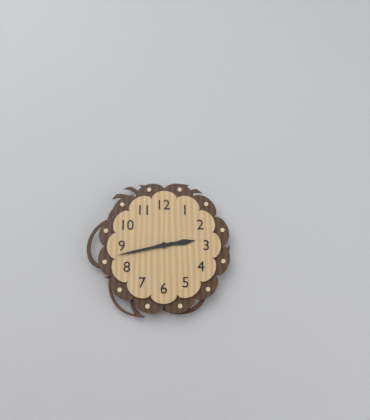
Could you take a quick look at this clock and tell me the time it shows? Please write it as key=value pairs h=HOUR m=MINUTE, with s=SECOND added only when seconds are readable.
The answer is h=2 m=43
